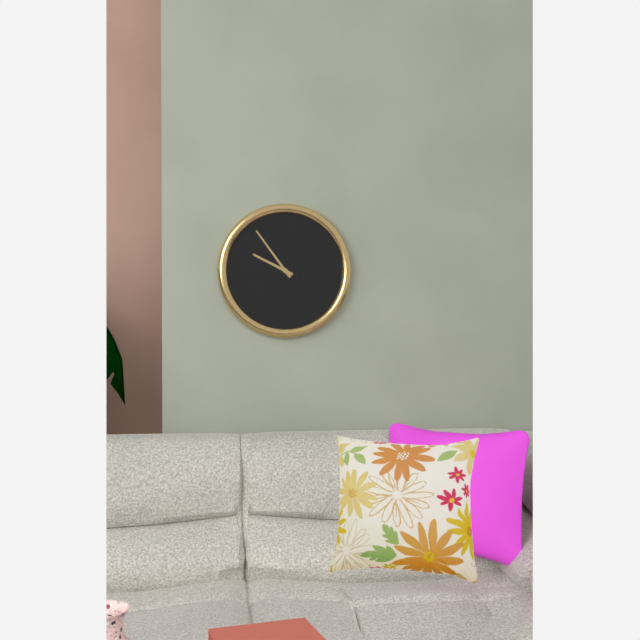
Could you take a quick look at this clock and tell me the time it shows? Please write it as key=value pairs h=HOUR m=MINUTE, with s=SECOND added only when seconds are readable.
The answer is h=9 m=54
